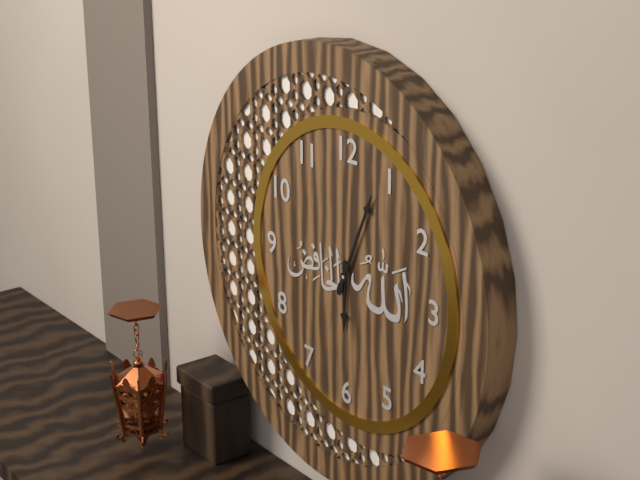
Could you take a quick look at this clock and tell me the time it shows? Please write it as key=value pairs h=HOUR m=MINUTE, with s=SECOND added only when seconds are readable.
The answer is h=6 m=4
